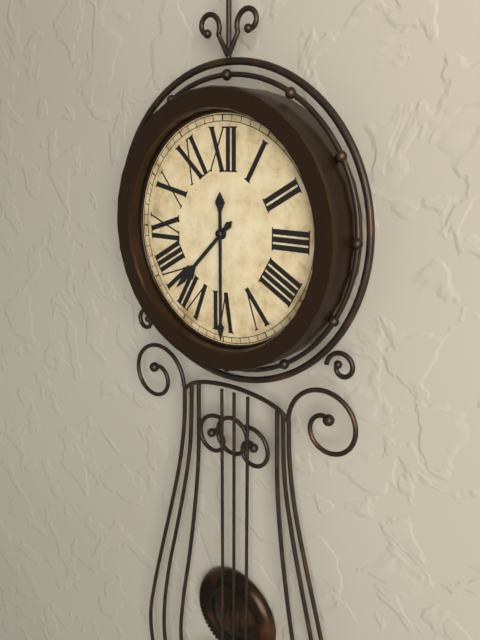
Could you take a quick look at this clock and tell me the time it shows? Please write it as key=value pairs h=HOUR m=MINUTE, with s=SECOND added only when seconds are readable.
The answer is h=7 m=30
